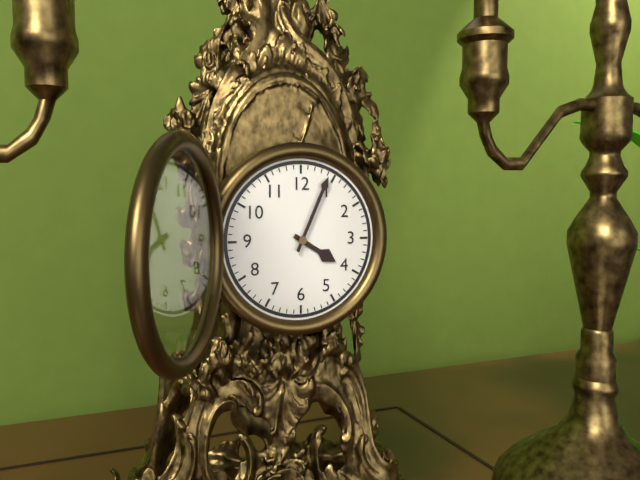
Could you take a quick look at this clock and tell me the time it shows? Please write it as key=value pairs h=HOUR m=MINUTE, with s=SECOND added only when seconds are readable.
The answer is h=4 m=4
